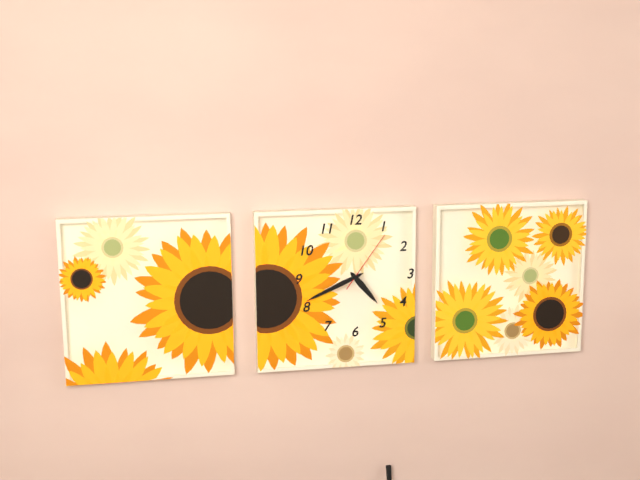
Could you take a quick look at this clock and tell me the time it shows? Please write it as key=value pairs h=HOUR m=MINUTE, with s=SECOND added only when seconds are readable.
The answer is h=4 m=41 s=6
